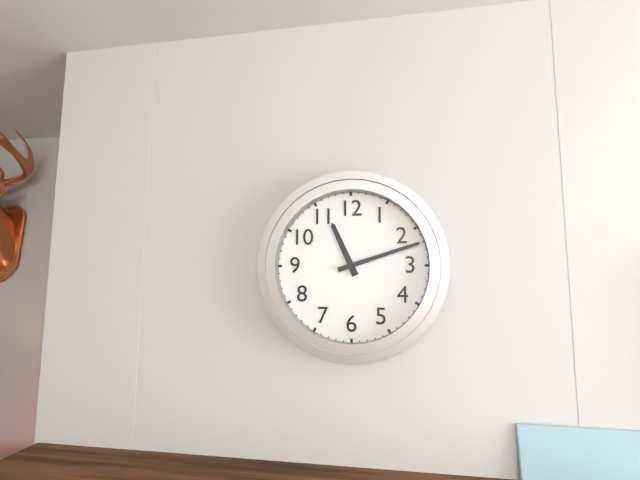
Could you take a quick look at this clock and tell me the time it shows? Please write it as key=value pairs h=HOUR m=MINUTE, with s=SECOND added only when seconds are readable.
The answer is h=11 m=12
